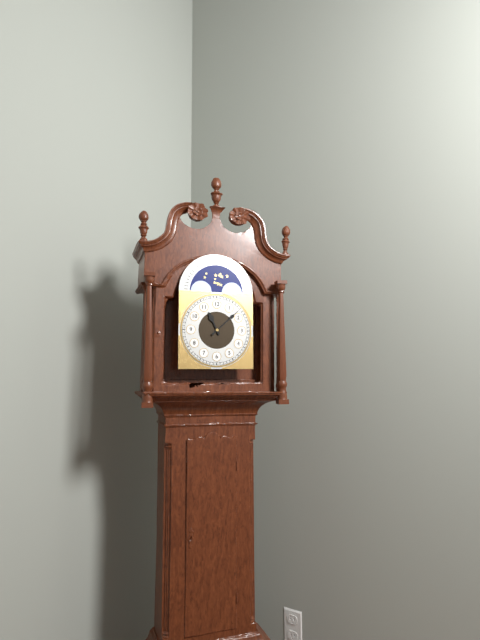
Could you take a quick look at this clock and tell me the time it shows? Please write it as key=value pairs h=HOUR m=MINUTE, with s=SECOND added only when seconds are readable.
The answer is h=11 m=8
